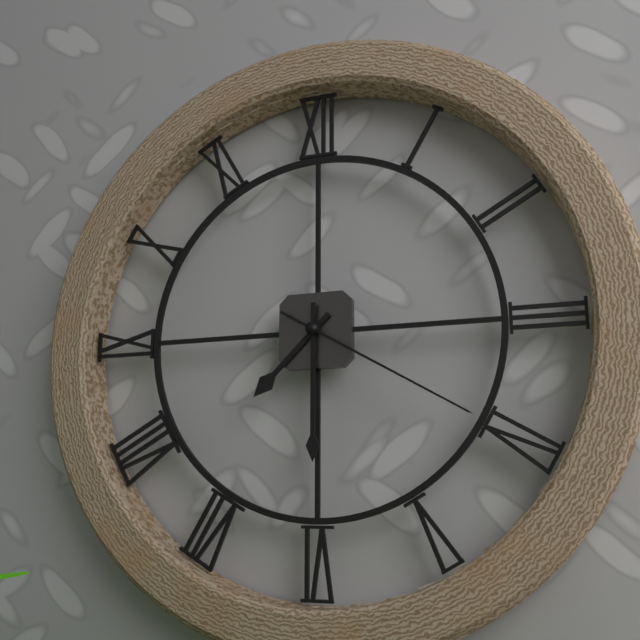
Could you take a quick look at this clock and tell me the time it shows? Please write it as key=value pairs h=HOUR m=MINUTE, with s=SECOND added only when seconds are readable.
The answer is h=7 m=30 s=20
